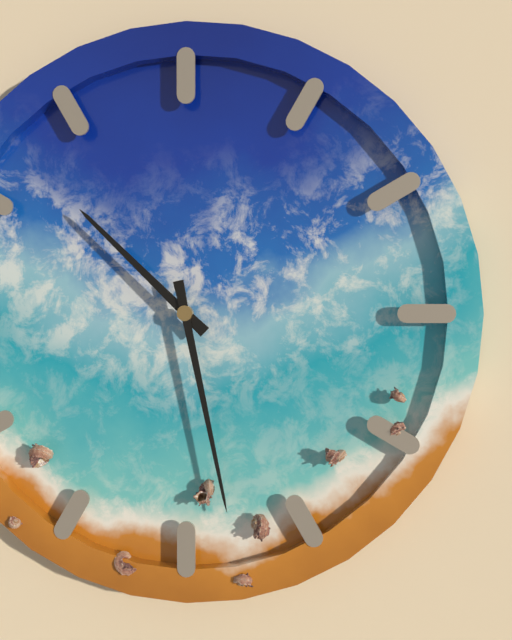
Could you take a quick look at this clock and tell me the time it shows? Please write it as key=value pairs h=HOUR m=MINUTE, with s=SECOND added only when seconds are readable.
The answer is h=10 m=28
